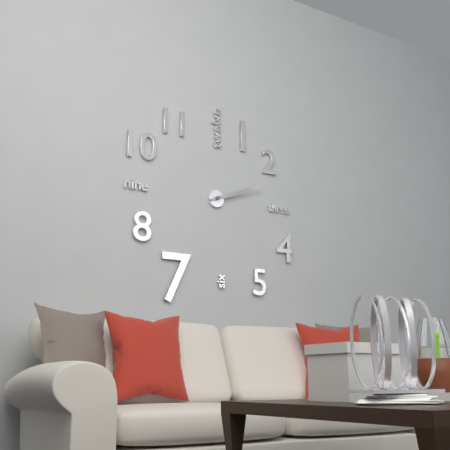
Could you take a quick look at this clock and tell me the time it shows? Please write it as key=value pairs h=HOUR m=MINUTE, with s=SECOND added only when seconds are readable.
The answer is h=2 m=12
